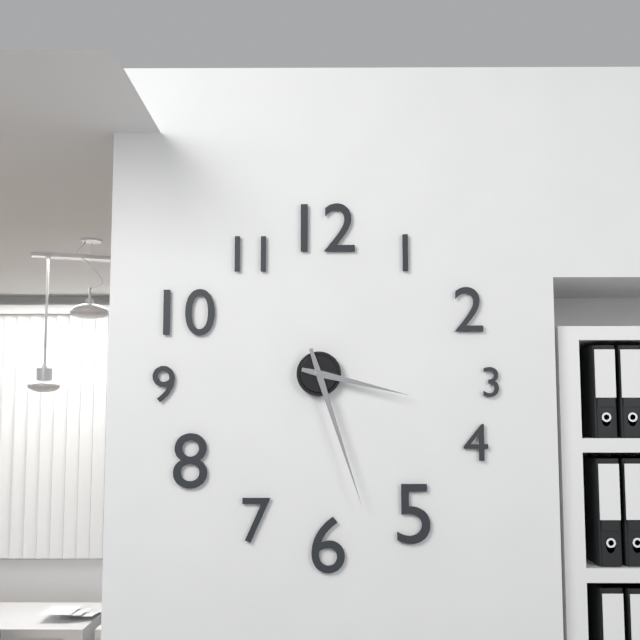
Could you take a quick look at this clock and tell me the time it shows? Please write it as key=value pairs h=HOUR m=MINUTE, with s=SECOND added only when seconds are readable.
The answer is h=3 m=27
